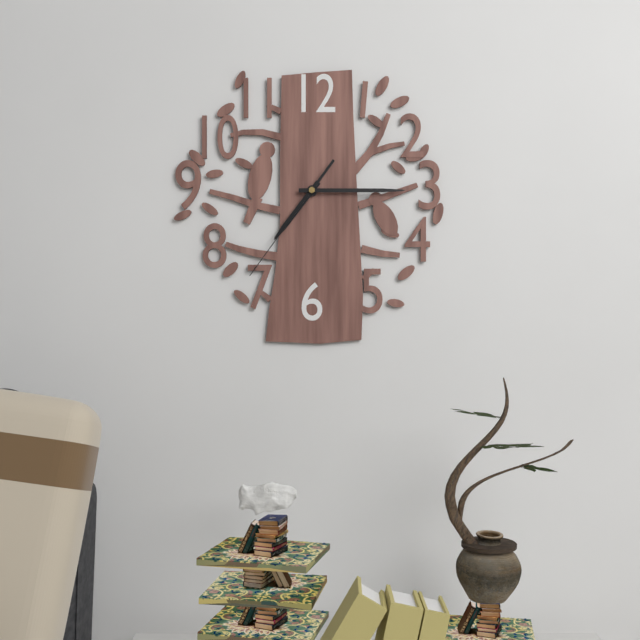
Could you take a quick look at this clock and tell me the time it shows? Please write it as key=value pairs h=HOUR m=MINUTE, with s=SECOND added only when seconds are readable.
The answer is h=7 m=15 s=36
